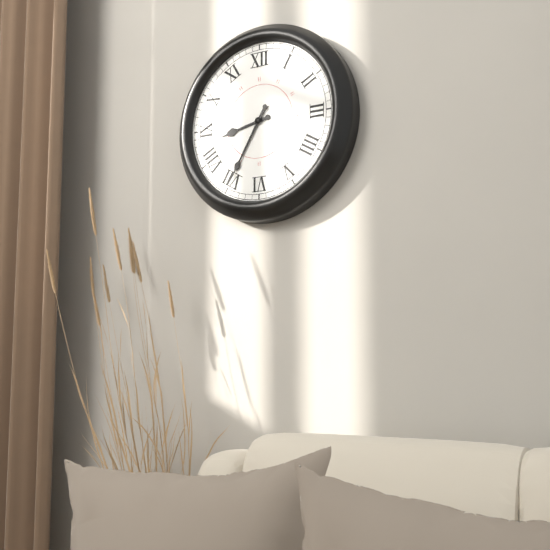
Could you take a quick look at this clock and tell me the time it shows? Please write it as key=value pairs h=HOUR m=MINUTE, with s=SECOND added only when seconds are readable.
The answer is h=8 m=35
